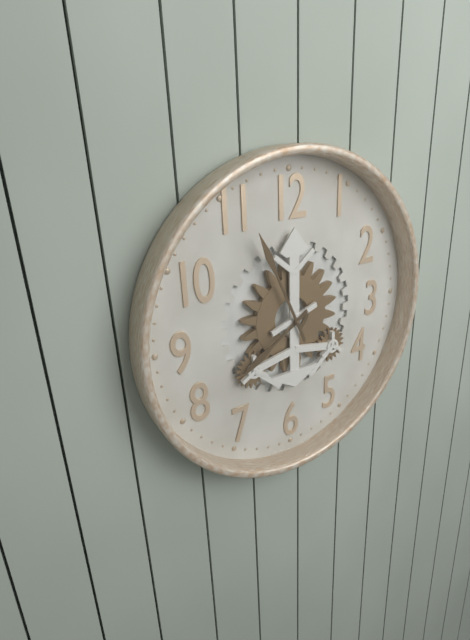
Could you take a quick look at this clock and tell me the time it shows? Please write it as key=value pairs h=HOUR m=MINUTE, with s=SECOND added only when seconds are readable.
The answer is h=7 m=56
